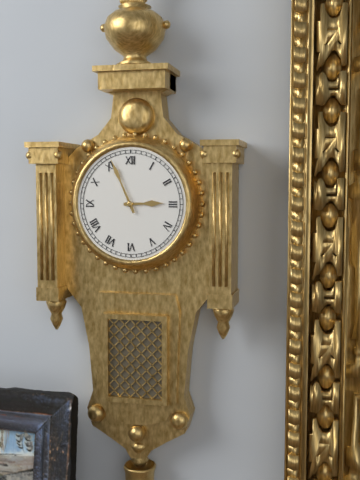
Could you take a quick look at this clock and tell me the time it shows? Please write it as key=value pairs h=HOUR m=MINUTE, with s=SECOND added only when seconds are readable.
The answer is h=2 m=56
